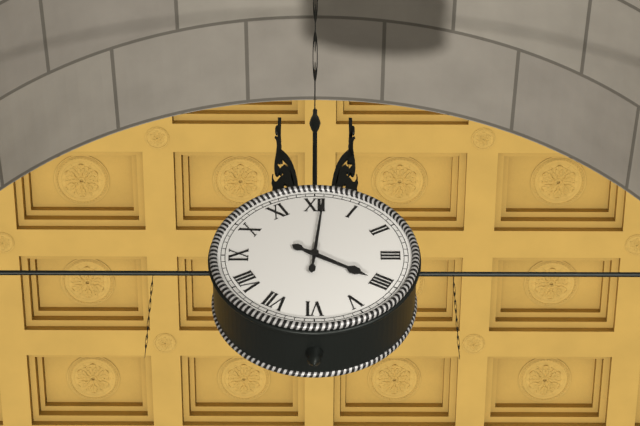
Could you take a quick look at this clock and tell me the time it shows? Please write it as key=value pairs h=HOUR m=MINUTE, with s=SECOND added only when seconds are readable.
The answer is h=4 m=1
